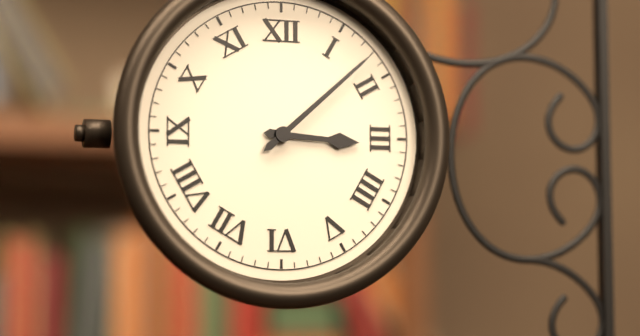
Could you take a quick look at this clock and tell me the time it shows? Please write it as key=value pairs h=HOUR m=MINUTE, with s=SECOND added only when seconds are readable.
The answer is h=3 m=8
